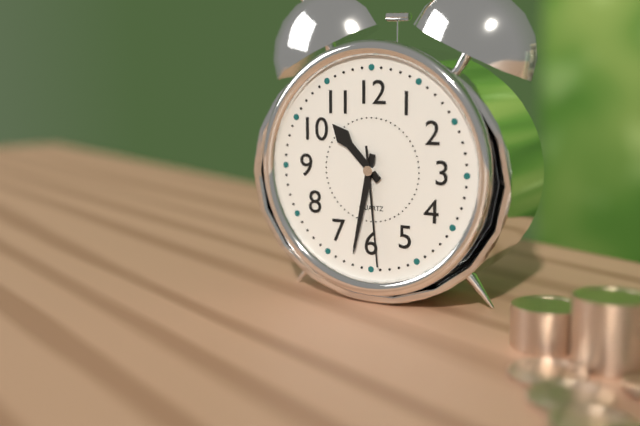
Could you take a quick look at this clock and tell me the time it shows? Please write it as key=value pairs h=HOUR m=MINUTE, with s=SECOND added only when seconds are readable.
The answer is h=10 m=32 s=29
